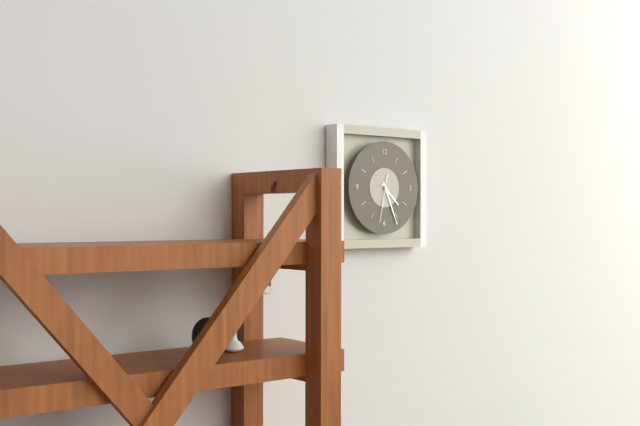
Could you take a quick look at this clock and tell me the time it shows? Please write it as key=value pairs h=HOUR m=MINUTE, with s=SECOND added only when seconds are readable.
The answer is h=4 m=26
